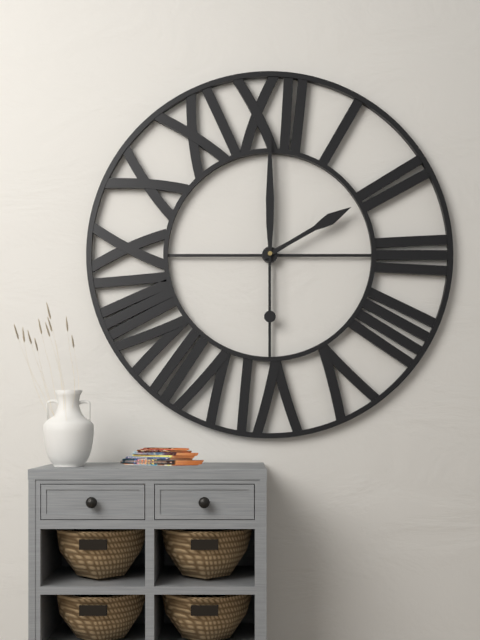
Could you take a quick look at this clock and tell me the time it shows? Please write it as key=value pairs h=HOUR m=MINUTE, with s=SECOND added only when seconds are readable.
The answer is h=2 m=0
